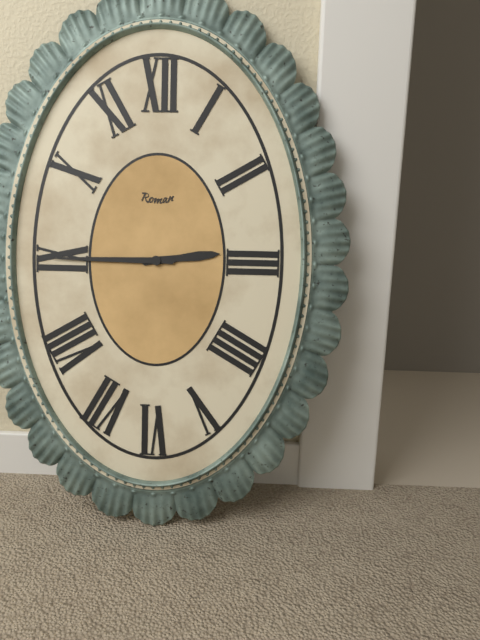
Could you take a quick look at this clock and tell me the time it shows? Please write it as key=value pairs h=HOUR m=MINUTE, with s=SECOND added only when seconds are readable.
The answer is h=2 m=45
